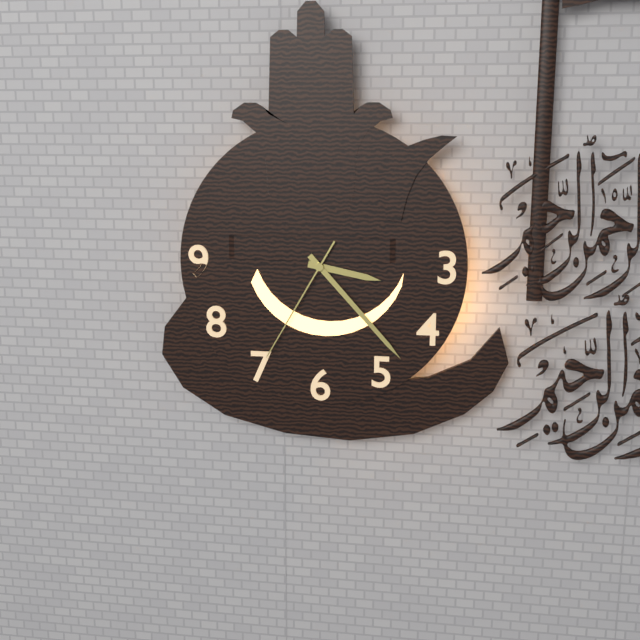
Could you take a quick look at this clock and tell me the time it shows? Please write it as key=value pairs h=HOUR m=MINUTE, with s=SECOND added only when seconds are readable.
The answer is h=3 m=23 s=35
